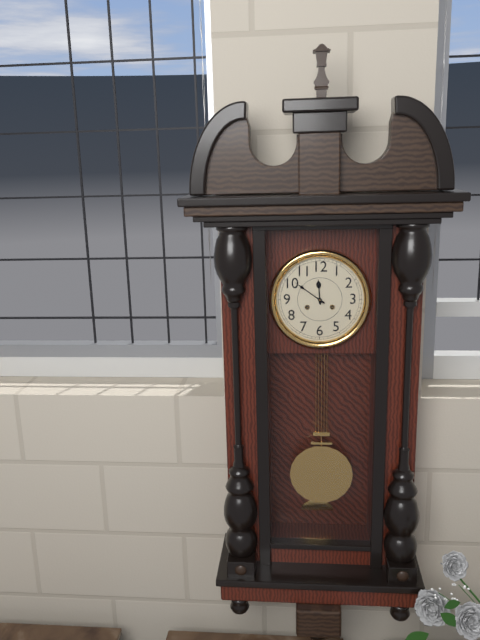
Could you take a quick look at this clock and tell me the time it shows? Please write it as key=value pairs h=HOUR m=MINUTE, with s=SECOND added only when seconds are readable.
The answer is h=11 m=51
